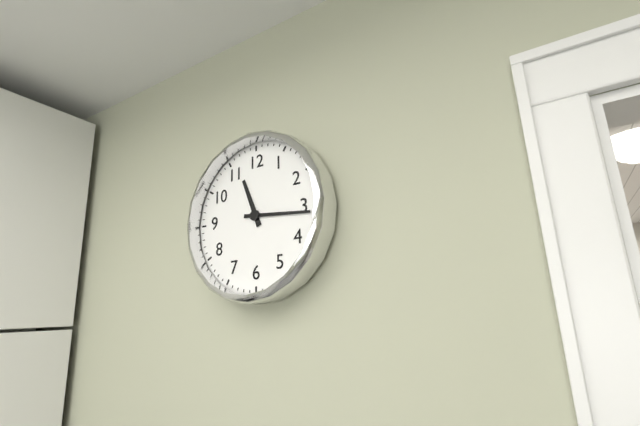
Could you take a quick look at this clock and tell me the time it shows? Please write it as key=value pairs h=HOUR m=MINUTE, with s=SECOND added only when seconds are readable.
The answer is h=11 m=16
